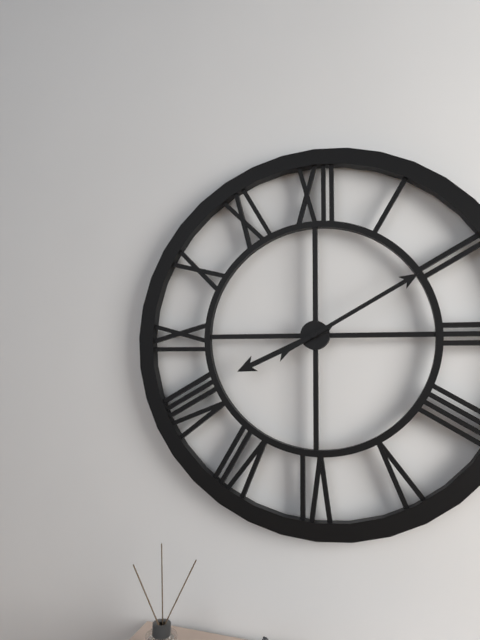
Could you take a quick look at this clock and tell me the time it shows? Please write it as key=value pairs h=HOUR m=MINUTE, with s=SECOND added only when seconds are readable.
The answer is h=8 m=10
